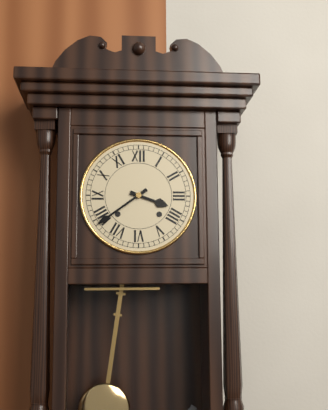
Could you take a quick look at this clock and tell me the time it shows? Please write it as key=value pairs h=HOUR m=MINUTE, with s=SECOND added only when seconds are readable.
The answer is h=3 m=39
